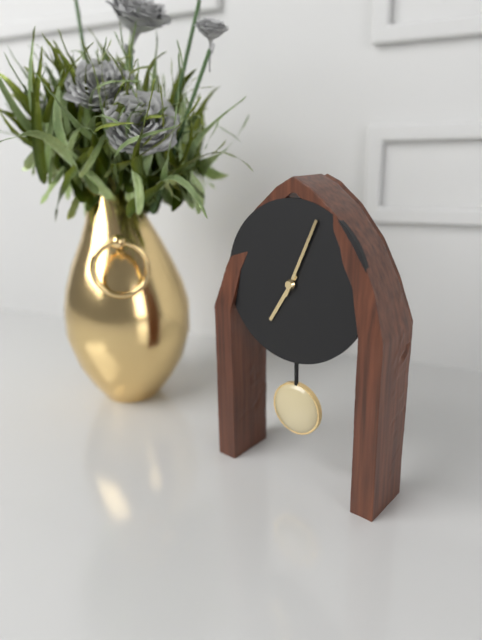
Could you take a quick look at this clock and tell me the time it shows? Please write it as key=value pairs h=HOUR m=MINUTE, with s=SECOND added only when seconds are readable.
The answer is h=7 m=4
